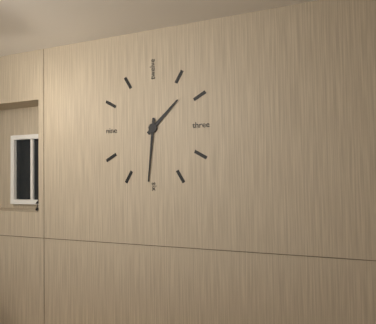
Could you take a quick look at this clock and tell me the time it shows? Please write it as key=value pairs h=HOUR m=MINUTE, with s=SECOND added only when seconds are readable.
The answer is h=1 m=31
